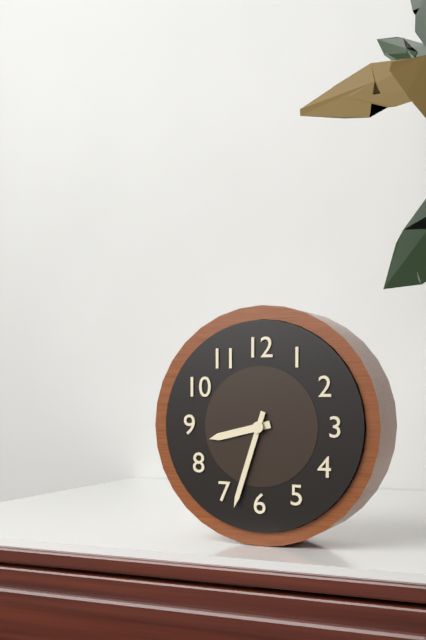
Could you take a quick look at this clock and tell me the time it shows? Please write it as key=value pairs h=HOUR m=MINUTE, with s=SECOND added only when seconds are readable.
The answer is h=8 m=33
